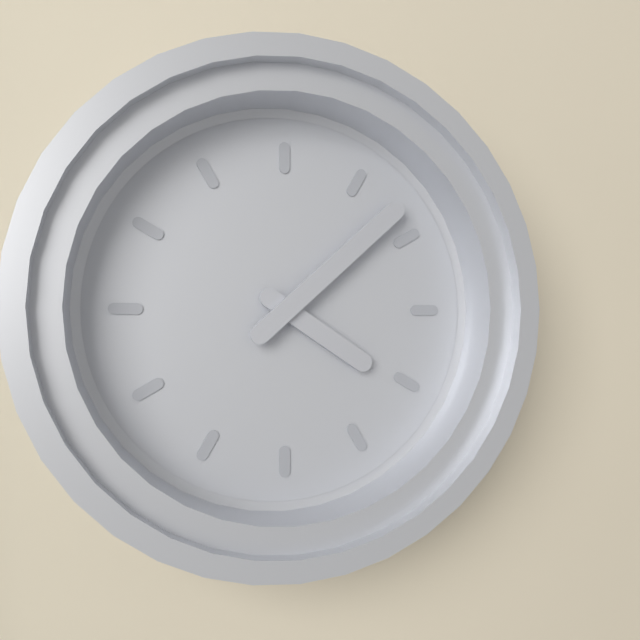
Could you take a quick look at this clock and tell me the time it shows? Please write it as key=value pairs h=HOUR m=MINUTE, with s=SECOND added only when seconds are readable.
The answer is h=4 m=8
